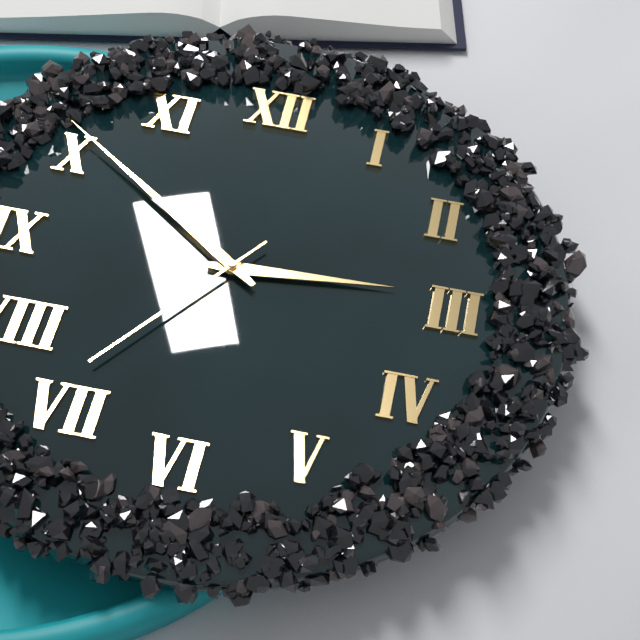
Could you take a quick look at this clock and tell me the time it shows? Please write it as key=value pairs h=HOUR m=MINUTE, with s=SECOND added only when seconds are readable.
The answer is h=2 m=51 s=36
